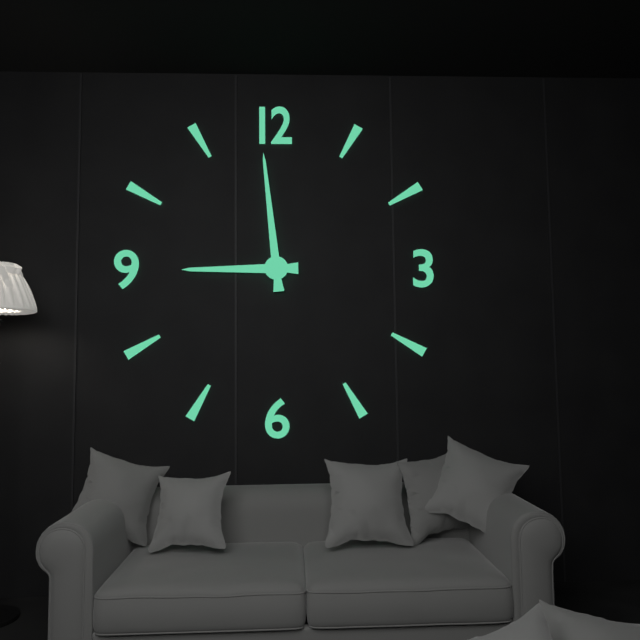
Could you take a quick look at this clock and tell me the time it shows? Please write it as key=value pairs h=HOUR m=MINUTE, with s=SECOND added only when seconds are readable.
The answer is h=8 m=59
